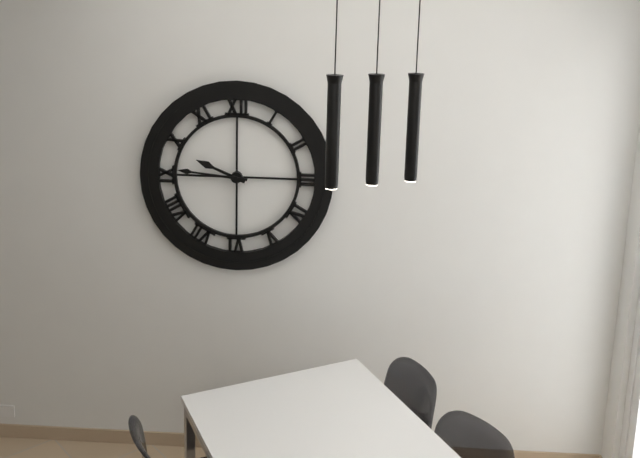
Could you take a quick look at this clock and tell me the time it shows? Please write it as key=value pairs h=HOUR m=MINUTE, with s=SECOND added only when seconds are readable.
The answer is h=9 m=46
